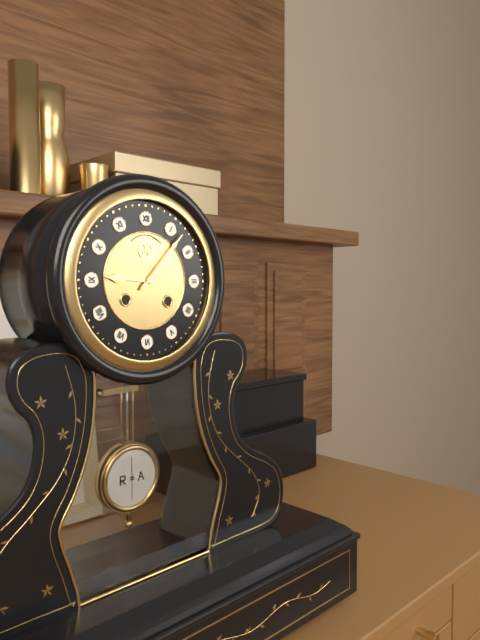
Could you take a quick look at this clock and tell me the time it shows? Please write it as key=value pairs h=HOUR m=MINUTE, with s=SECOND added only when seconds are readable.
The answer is h=9 m=7
